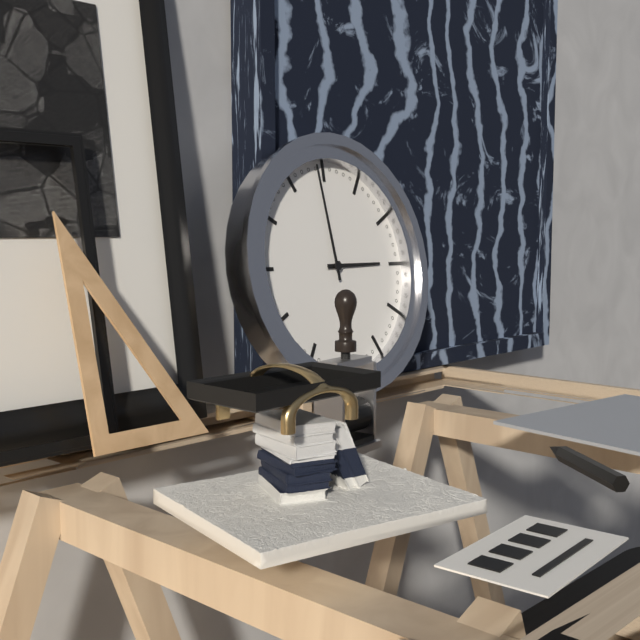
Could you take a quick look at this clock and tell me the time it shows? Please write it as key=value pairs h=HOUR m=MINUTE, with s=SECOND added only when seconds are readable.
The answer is h=2 m=59
